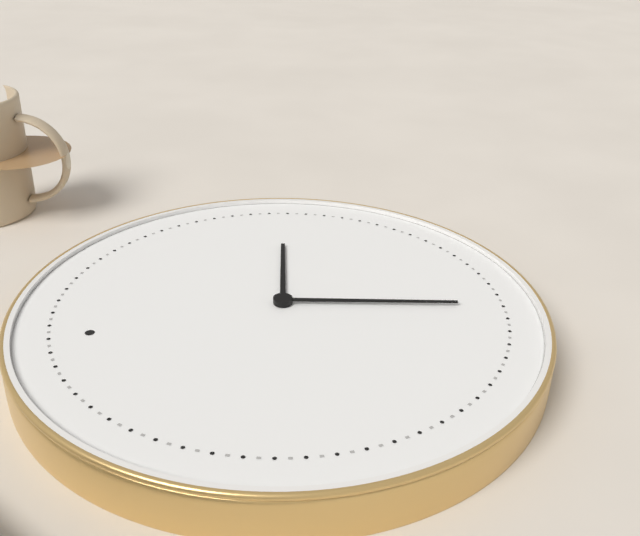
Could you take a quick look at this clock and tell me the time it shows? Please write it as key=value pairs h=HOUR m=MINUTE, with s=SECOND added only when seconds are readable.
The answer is h=3 m=33
